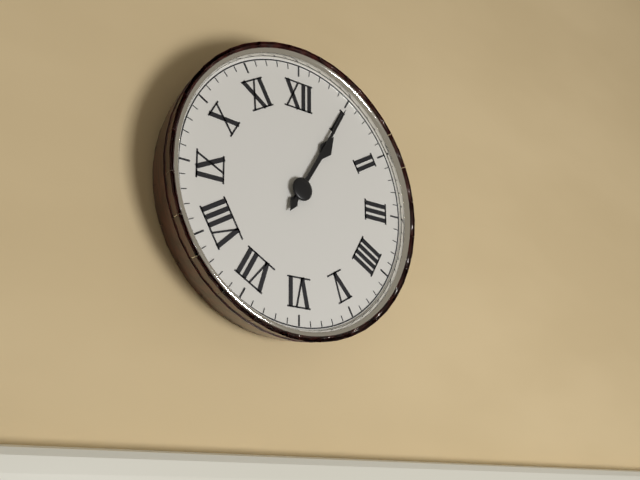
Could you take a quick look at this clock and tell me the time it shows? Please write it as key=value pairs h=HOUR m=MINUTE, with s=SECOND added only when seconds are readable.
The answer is h=1 m=5
